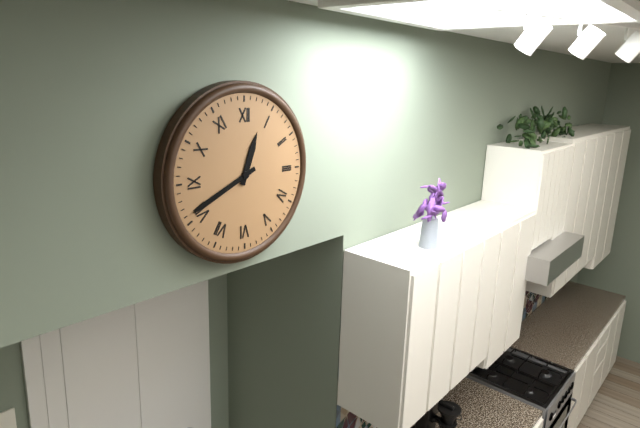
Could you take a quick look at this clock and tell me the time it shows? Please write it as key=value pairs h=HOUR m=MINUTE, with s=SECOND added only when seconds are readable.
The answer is h=12 m=41
